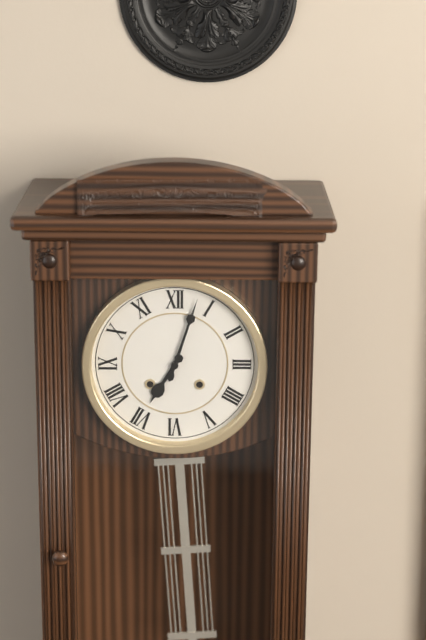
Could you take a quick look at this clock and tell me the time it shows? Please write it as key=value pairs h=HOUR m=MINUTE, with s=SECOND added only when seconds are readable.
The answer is h=7 m=3
